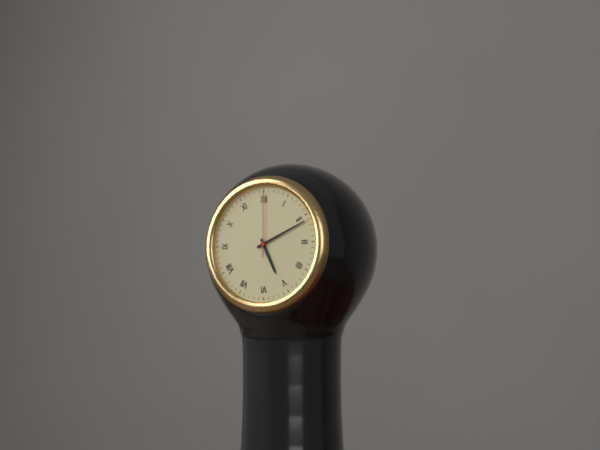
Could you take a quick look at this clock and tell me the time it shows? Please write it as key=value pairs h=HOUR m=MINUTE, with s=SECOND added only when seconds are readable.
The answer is h=5 m=11 s=0
